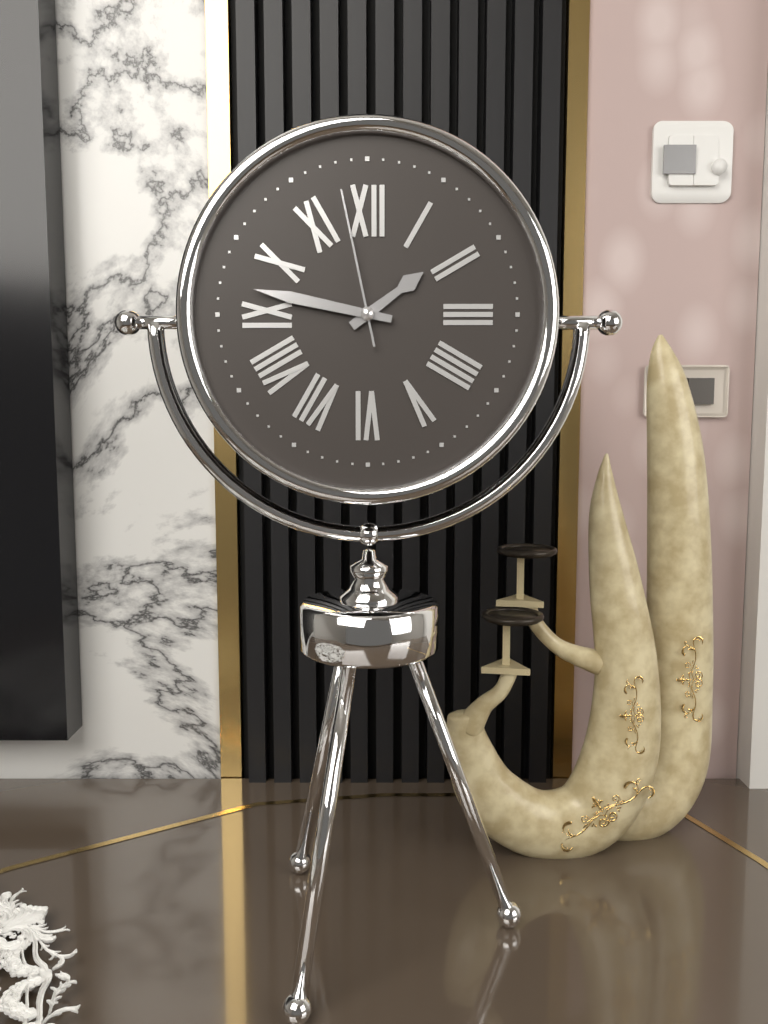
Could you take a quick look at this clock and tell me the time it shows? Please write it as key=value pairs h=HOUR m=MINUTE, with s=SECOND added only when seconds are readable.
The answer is h=1 m=47 s=58
